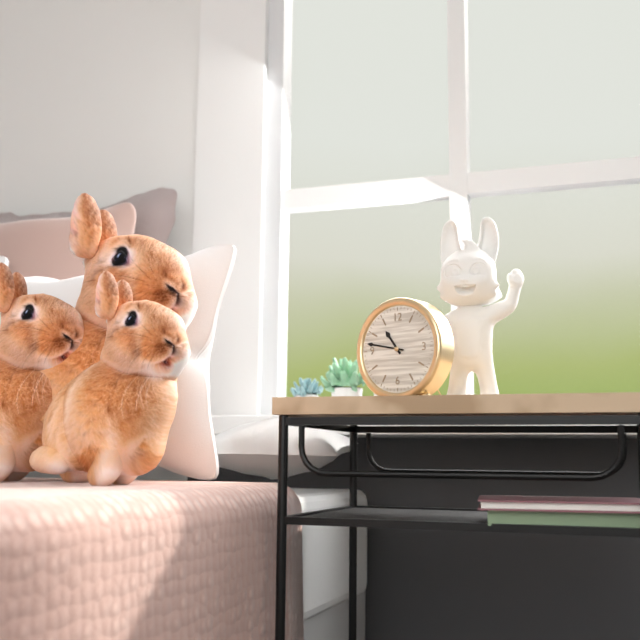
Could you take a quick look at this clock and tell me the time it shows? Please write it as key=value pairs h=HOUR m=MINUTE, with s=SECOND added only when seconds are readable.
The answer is h=10 m=47
